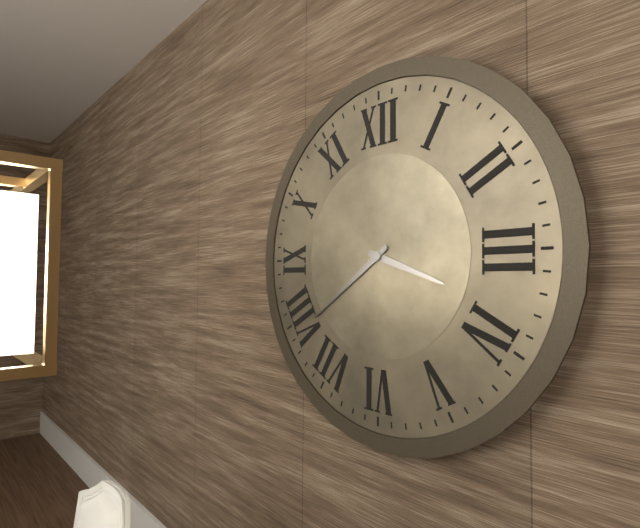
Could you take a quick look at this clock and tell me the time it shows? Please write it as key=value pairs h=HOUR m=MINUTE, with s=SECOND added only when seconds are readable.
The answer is h=3 m=39
